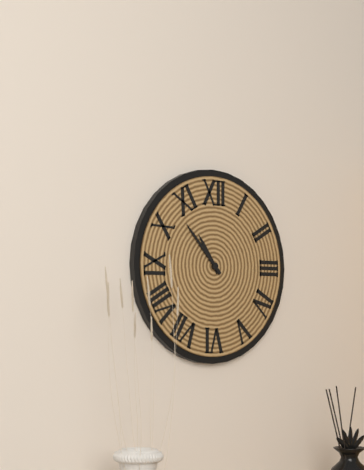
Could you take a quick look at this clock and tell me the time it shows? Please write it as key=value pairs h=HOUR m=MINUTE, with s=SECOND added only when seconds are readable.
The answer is h=10 m=53
